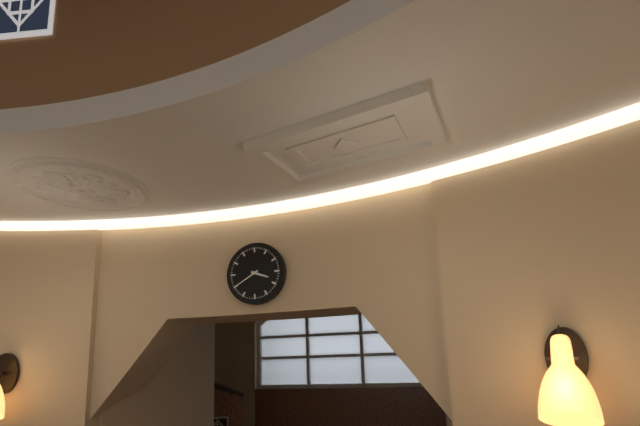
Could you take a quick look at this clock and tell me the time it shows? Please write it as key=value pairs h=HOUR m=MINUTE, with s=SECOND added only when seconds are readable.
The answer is h=3 m=40
